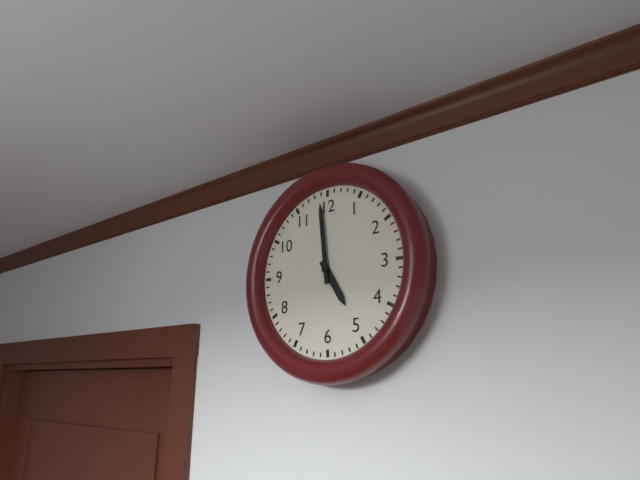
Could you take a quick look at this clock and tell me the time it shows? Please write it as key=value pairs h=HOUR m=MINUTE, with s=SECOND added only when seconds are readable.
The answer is h=4 m=59
